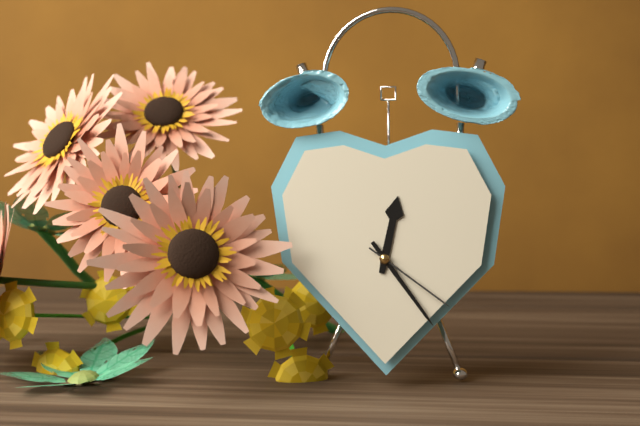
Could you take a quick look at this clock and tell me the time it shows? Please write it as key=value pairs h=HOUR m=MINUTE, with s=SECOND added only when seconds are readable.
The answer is h=12 m=24 s=21
